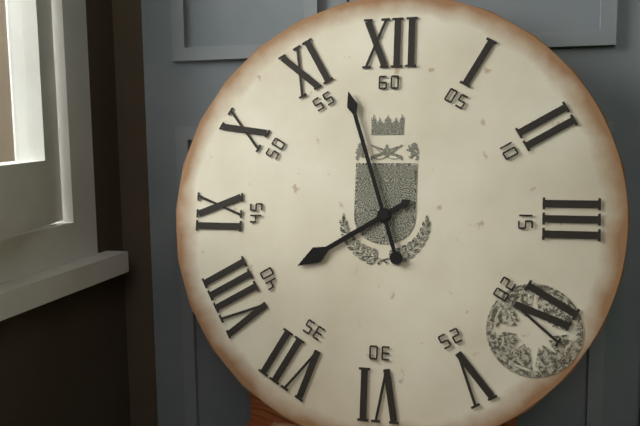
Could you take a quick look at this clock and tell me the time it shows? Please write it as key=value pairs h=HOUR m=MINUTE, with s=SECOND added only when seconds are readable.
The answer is h=7 m=57
